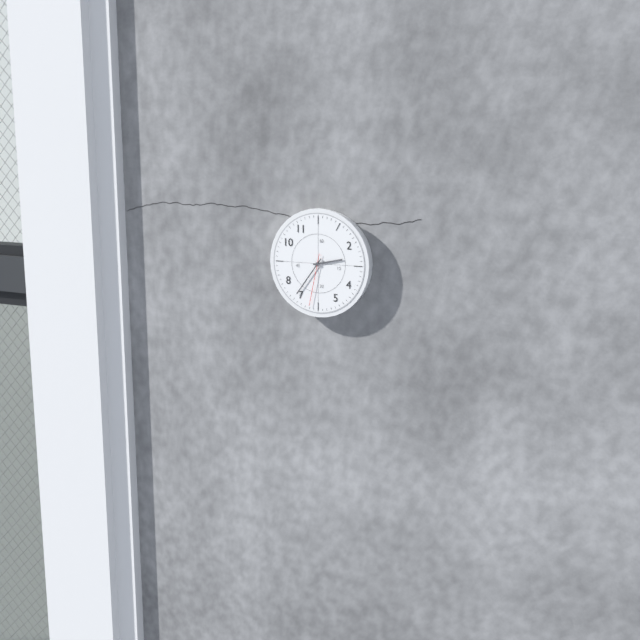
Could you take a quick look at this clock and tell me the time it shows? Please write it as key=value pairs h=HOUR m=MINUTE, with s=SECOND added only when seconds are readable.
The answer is h=2 m=36 s=32
